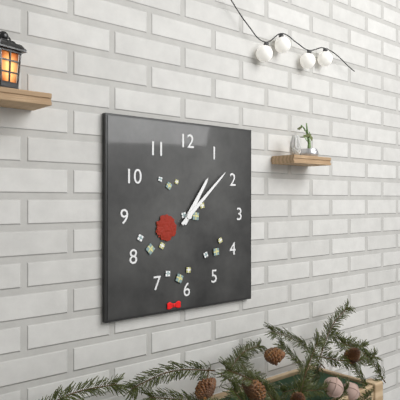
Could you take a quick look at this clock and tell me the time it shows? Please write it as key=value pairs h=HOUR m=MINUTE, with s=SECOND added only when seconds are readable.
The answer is h=1 m=8
